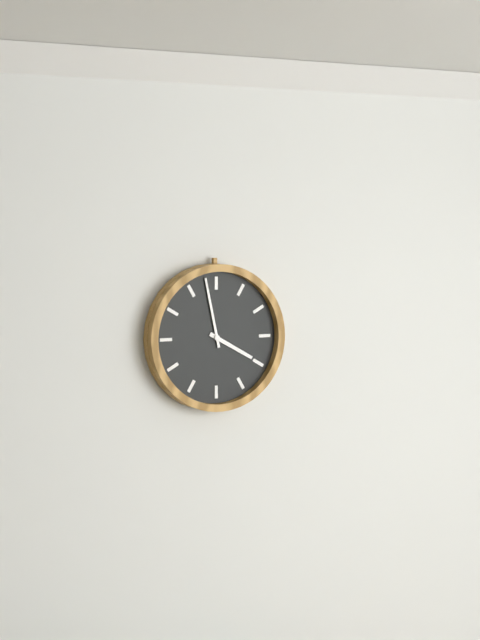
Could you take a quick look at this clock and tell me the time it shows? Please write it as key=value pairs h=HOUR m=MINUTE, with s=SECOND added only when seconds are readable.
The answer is h=3 m=58
